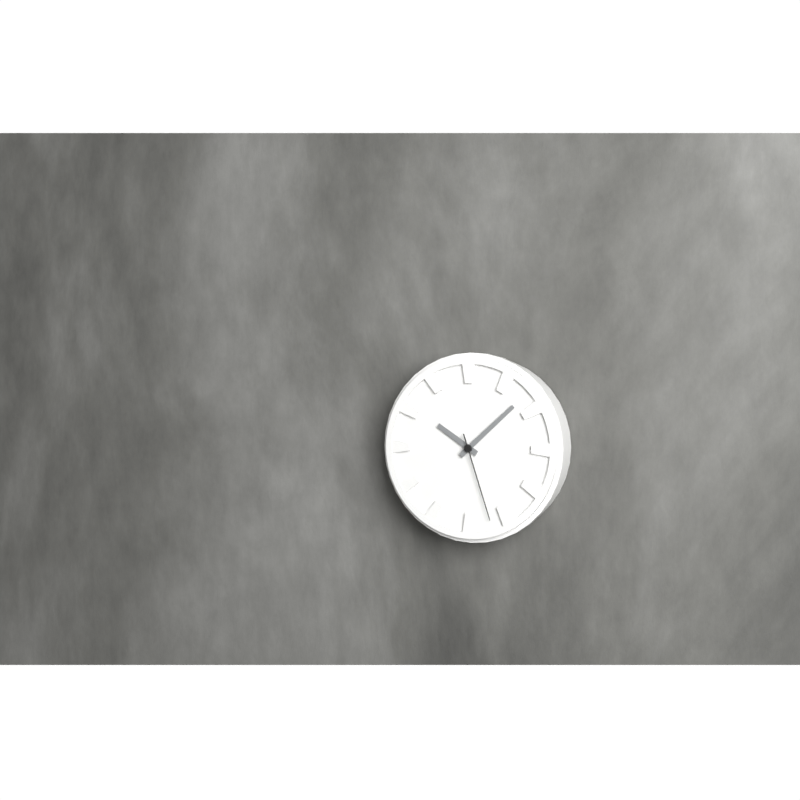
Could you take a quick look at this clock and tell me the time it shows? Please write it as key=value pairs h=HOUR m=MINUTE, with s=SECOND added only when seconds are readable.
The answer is h=10 m=8 s=27
